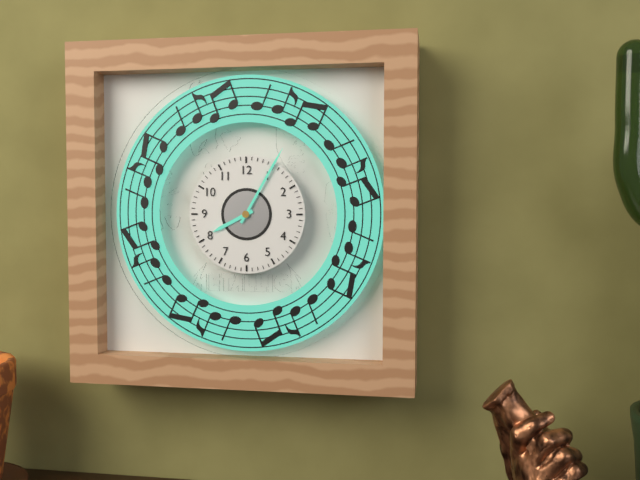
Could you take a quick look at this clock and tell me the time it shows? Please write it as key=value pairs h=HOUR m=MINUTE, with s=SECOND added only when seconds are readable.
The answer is h=8 m=5
